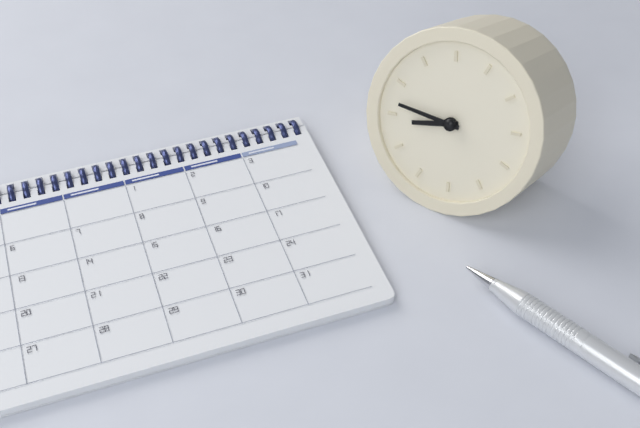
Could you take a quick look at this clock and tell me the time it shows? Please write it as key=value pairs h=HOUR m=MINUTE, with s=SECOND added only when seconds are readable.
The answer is h=8 m=47
